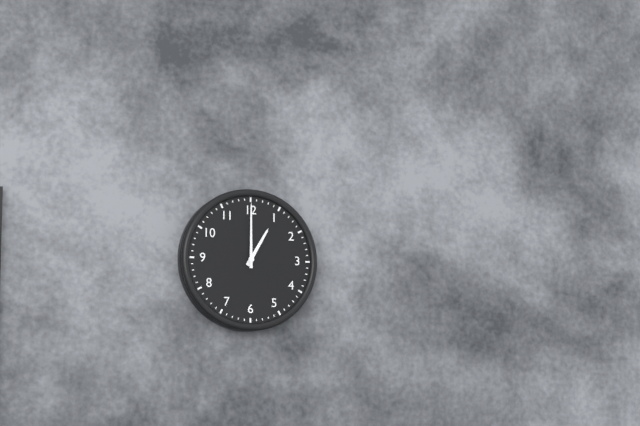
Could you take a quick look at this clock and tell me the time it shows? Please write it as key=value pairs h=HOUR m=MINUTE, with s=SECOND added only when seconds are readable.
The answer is h=1 m=0
